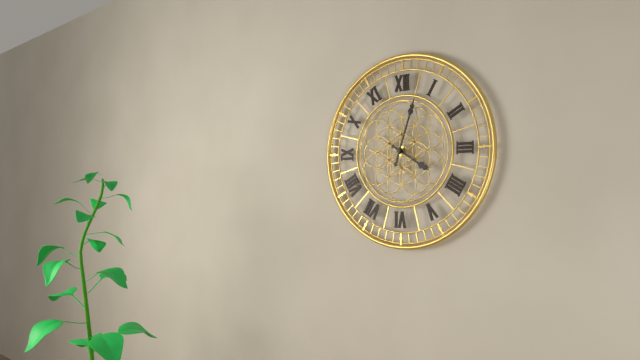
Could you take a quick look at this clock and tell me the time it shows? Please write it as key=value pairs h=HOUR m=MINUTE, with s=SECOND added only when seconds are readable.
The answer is h=4 m=3
